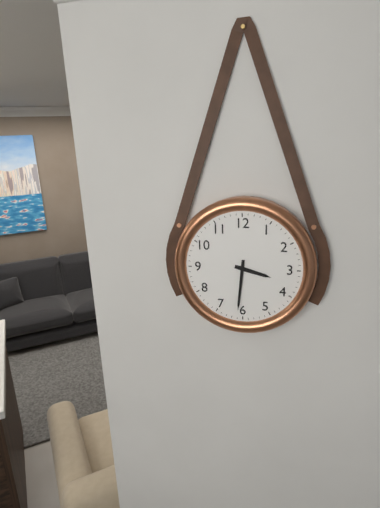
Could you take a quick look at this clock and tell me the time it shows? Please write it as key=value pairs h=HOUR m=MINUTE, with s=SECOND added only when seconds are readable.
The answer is h=3 m=31
